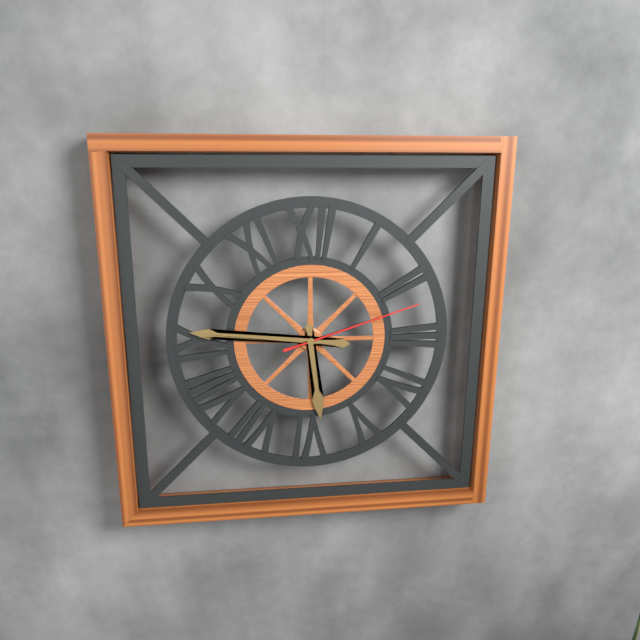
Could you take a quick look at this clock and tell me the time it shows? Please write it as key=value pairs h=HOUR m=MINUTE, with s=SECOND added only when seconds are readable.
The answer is h=5 m=46 s=12
